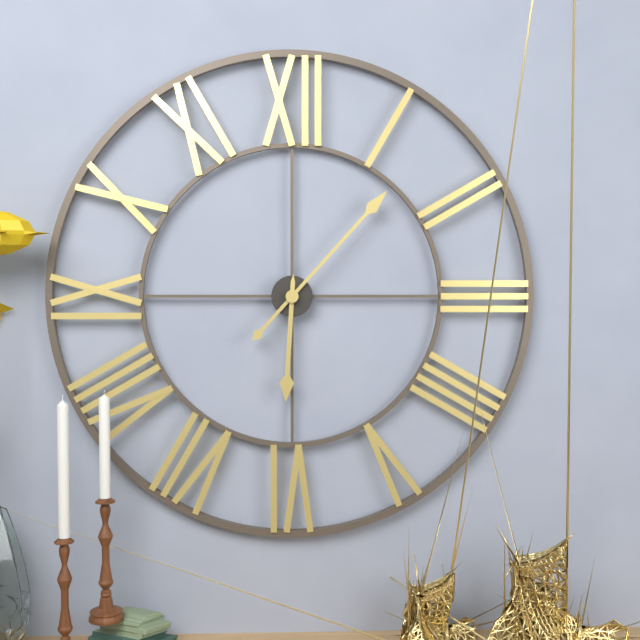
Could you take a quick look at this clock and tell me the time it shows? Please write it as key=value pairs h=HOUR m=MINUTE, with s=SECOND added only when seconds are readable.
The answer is h=6 m=7
